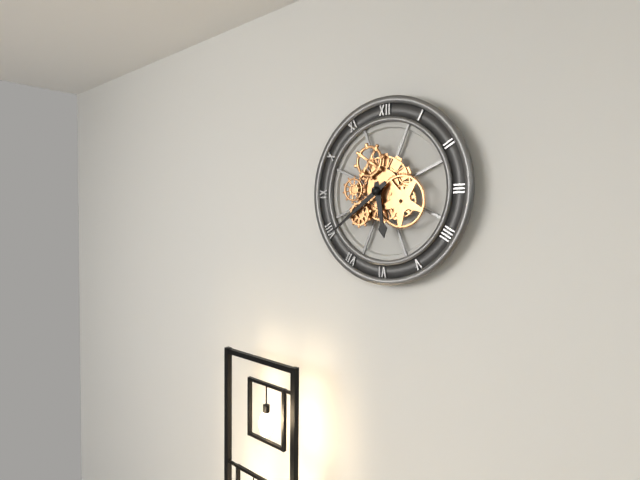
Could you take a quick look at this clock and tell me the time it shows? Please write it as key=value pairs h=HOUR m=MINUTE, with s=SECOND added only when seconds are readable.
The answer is h=5 m=39
